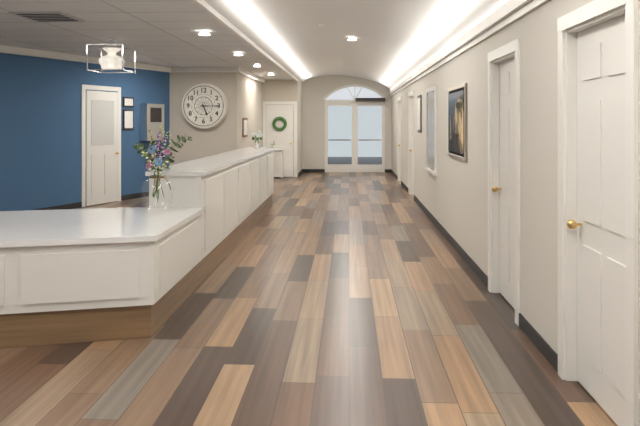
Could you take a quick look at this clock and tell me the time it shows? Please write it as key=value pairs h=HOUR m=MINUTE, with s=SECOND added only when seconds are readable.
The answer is h=5 m=15
